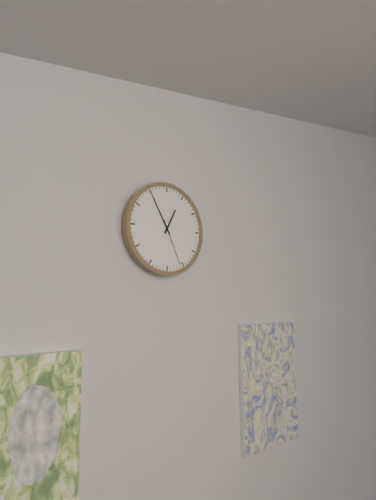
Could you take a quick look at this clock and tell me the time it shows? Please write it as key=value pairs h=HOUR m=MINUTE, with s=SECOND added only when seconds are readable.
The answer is h=12 m=55
